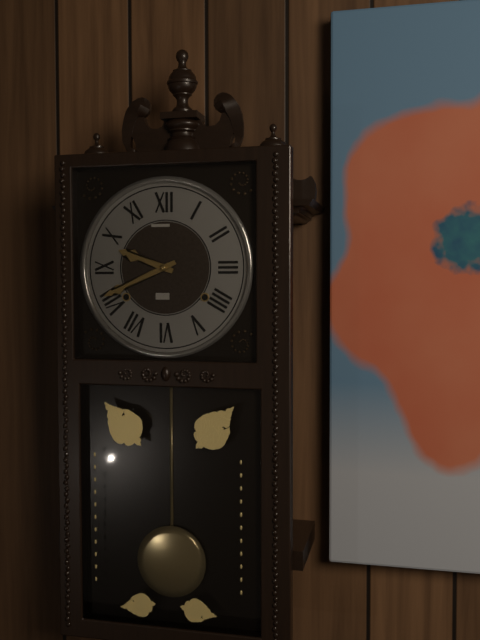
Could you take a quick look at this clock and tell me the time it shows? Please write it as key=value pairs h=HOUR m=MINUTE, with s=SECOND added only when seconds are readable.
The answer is h=9 m=41
